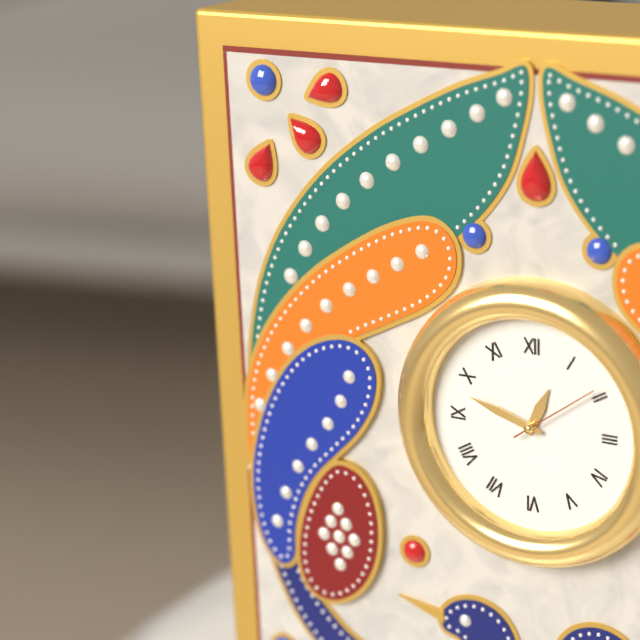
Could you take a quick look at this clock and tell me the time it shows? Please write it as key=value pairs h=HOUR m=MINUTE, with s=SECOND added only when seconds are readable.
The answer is h=12 m=48 s=9
